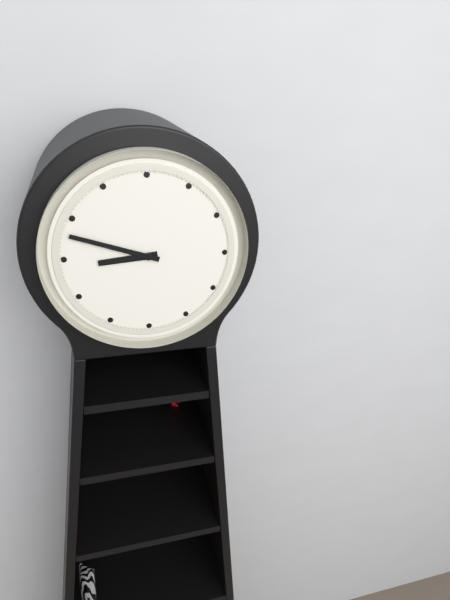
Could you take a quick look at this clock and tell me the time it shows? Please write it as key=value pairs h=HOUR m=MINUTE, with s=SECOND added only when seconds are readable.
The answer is h=8 m=48
